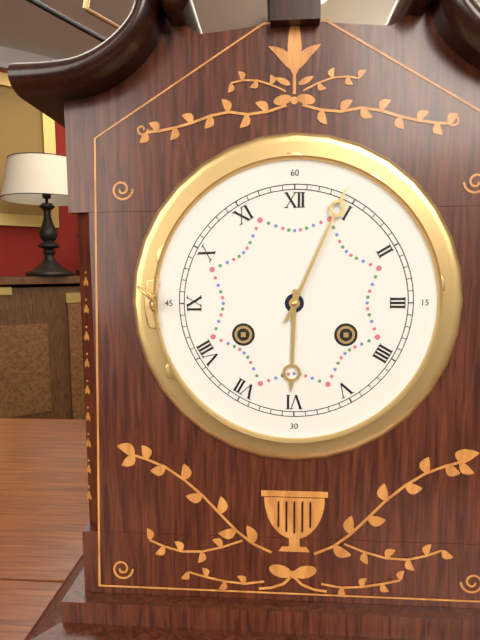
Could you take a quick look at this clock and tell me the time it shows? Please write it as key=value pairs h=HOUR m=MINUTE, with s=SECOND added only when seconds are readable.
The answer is h=6 m=4
